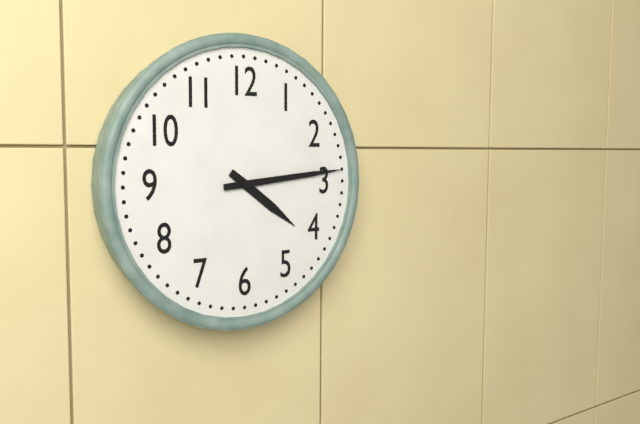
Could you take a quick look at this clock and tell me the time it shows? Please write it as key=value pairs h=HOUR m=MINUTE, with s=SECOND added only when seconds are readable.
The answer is h=4 m=14
